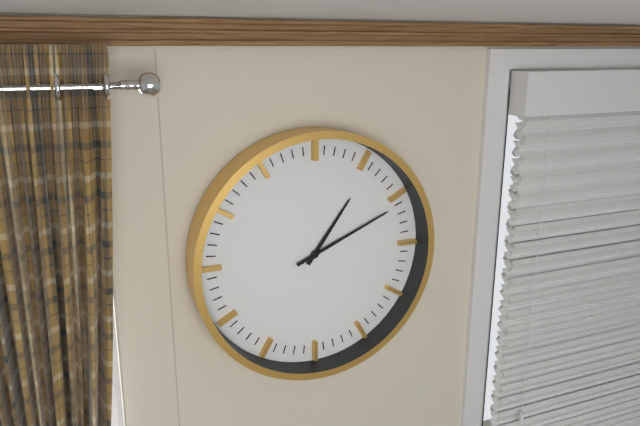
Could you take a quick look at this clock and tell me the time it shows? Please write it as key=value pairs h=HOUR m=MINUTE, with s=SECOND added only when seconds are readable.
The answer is h=1 m=11
